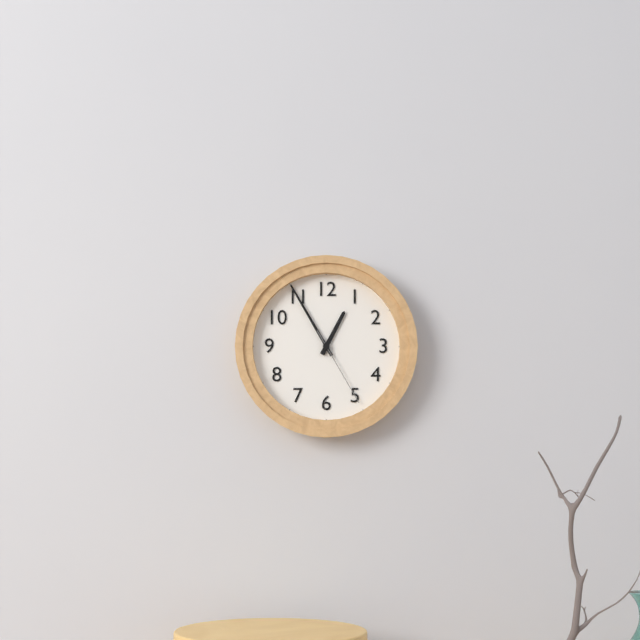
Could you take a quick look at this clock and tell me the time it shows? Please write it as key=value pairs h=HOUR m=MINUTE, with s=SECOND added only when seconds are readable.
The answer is h=12 m=55 s=25
